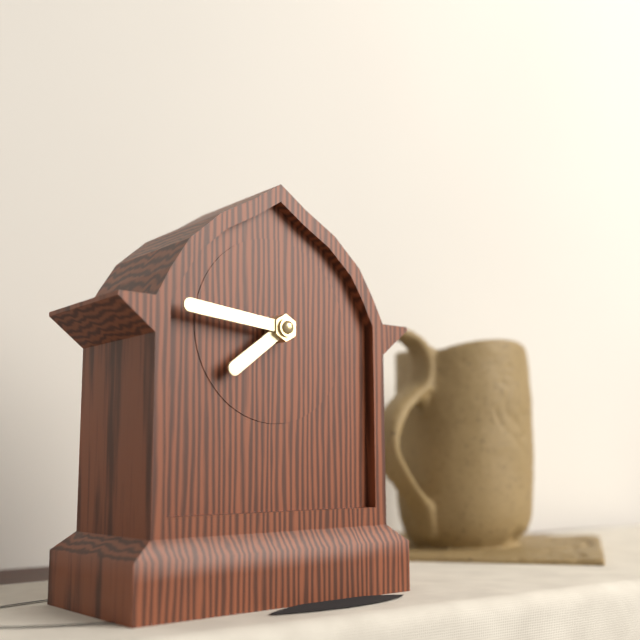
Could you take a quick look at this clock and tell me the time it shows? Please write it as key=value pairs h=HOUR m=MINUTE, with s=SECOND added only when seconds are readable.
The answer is h=7 m=46
